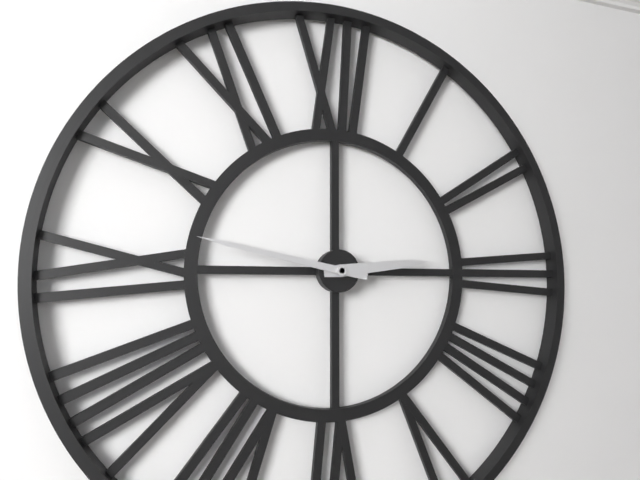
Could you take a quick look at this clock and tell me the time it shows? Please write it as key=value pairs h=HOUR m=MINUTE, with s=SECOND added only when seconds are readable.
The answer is h=2 m=47
